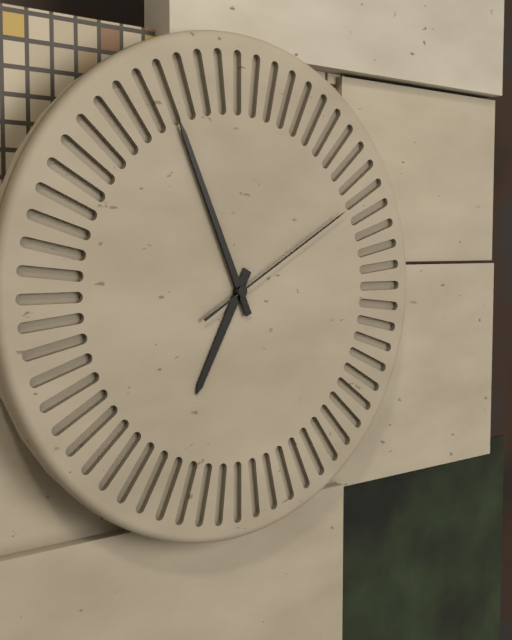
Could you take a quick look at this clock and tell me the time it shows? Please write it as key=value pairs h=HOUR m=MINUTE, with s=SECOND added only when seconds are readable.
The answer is h=6 m=56 s=10
